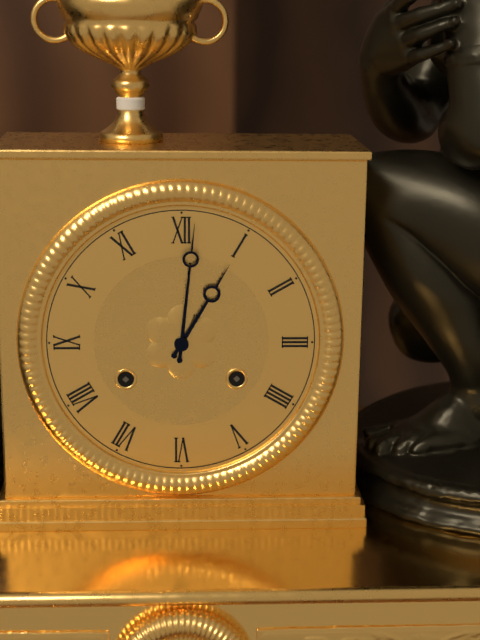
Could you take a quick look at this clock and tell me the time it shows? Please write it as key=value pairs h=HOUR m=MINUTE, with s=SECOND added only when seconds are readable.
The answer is h=1 m=1
